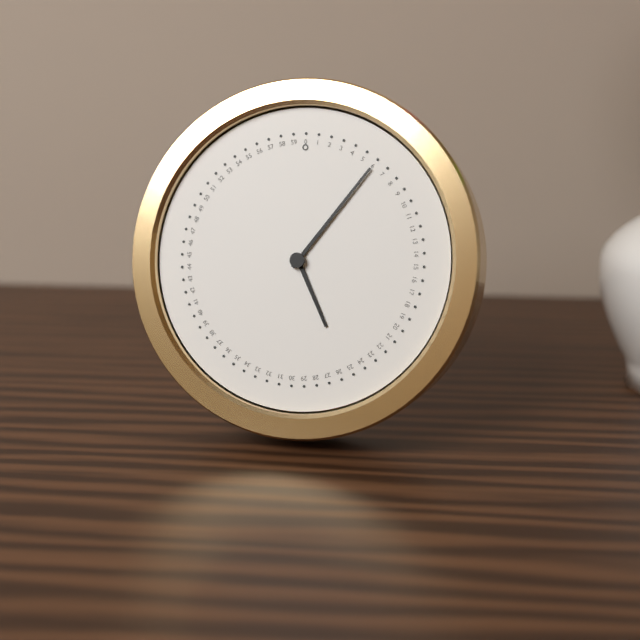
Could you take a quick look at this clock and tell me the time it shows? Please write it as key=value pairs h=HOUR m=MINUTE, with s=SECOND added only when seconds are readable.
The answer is h=5 m=6
